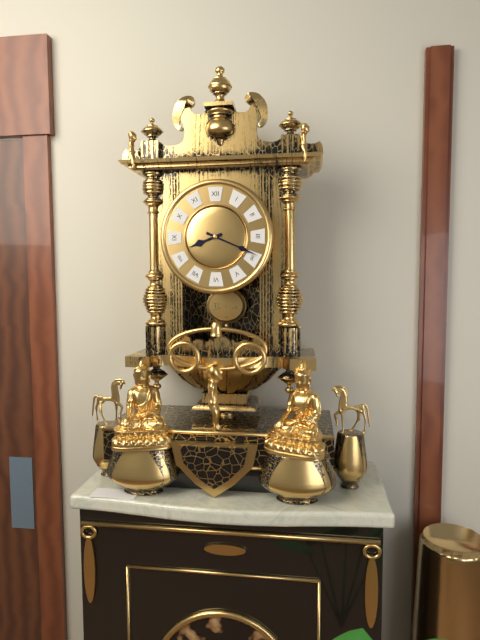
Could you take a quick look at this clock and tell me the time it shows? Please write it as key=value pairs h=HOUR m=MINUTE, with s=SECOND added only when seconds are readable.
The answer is h=8 m=19
